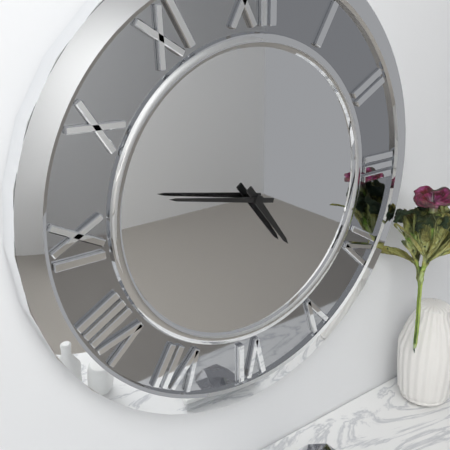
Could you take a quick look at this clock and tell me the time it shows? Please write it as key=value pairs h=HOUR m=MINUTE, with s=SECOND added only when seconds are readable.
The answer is h=4 m=47
